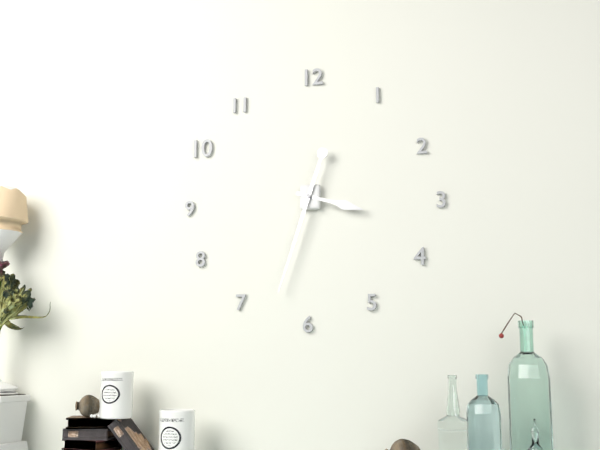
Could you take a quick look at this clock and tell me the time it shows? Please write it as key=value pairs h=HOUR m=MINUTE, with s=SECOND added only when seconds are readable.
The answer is h=3 m=33
